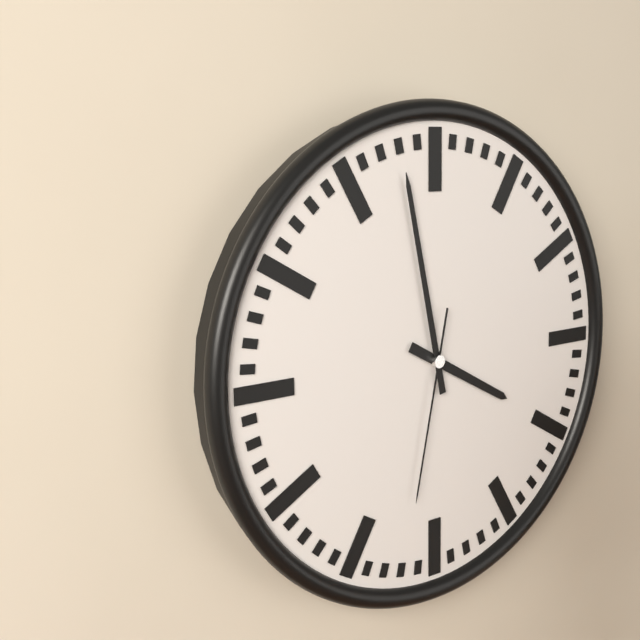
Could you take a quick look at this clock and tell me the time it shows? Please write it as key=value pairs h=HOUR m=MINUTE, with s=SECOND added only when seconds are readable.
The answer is h=3 m=58 s=32
